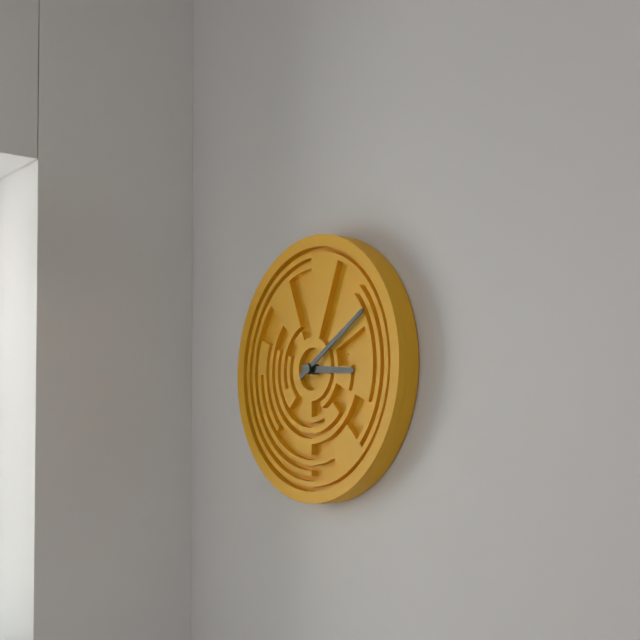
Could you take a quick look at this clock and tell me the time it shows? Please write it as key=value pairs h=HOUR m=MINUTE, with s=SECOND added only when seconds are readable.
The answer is h=3 m=10
